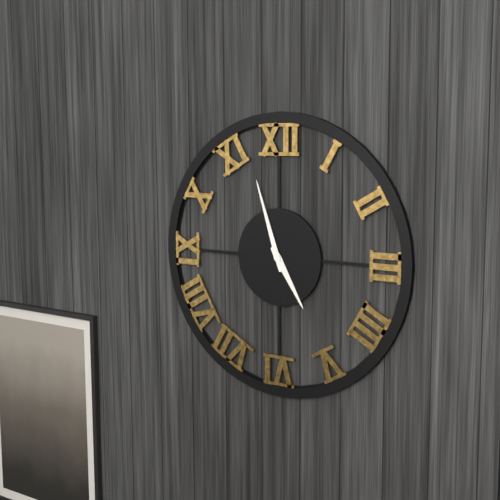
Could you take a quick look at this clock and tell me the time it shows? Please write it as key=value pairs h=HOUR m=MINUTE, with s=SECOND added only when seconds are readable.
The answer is h=4 m=57
